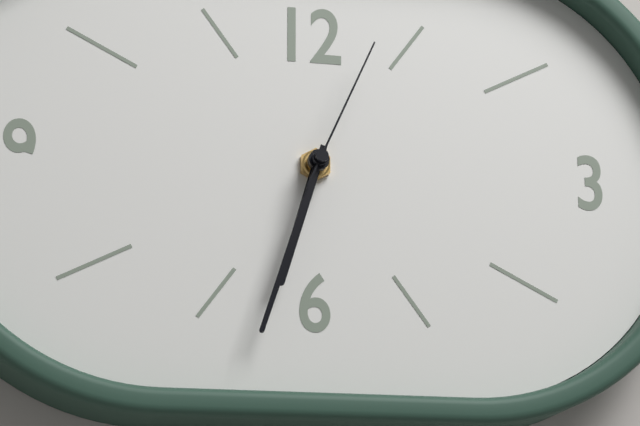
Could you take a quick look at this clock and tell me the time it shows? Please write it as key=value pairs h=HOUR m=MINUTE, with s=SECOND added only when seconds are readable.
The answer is h=6 m=33 s=4
